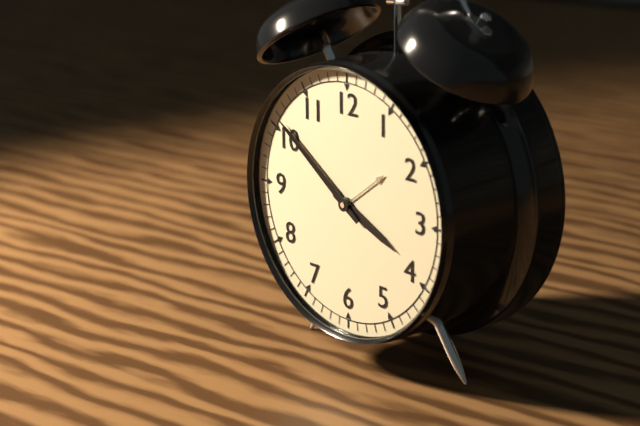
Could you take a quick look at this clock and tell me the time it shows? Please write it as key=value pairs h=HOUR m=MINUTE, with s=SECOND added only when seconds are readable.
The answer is h=3 m=51
